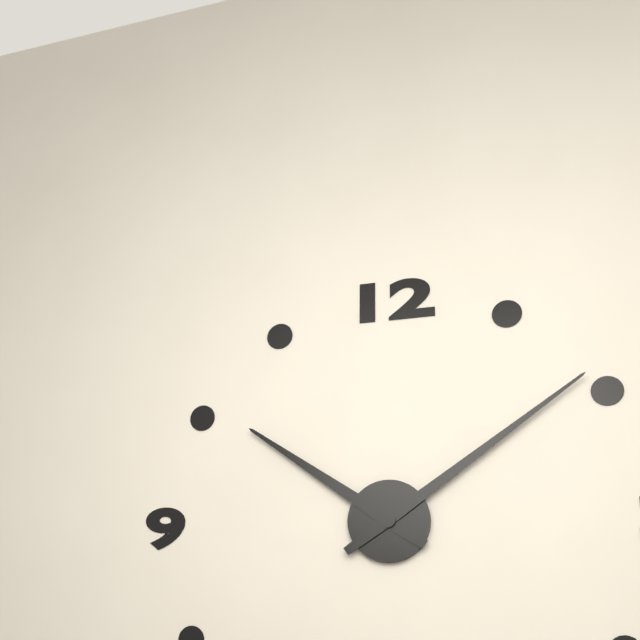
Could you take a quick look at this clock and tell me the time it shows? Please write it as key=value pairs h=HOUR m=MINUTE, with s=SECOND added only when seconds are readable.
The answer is h=10 m=9
